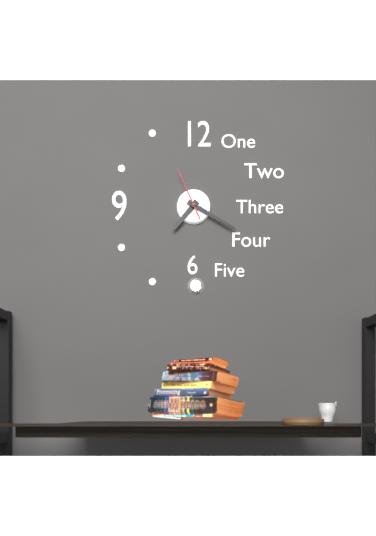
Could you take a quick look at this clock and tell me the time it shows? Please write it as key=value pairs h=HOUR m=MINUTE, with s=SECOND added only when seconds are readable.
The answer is h=7 m=20
